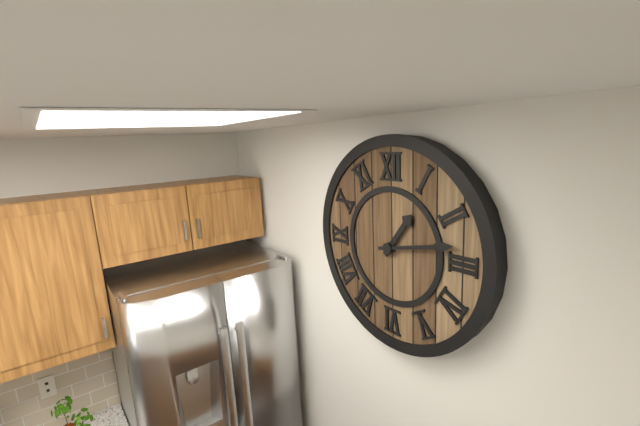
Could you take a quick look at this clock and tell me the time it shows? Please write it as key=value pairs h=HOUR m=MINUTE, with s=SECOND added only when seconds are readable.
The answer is h=1 m=13
